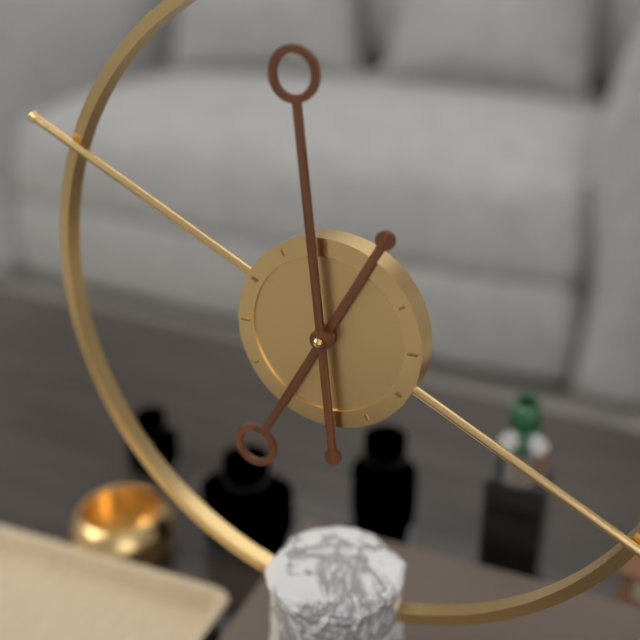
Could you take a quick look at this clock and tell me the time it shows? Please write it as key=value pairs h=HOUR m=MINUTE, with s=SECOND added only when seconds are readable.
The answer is h=6 m=59
